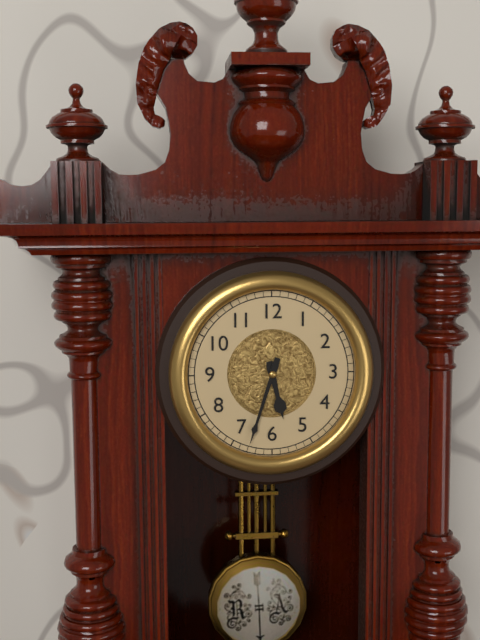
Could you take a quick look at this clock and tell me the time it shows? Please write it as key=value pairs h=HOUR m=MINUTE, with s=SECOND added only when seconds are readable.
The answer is h=5 m=33
